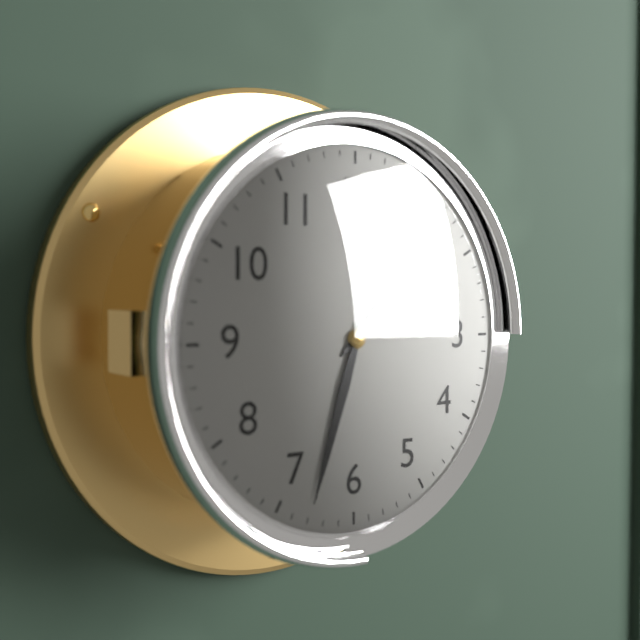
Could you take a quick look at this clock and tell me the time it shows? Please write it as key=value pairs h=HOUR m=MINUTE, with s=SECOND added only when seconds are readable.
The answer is h=1 m=33
